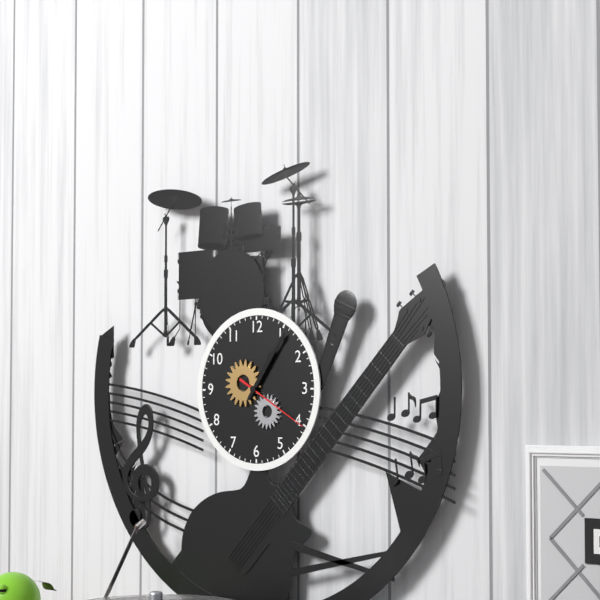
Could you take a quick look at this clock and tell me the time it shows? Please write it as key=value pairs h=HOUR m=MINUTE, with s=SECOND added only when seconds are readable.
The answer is h=1 m=6 s=20
